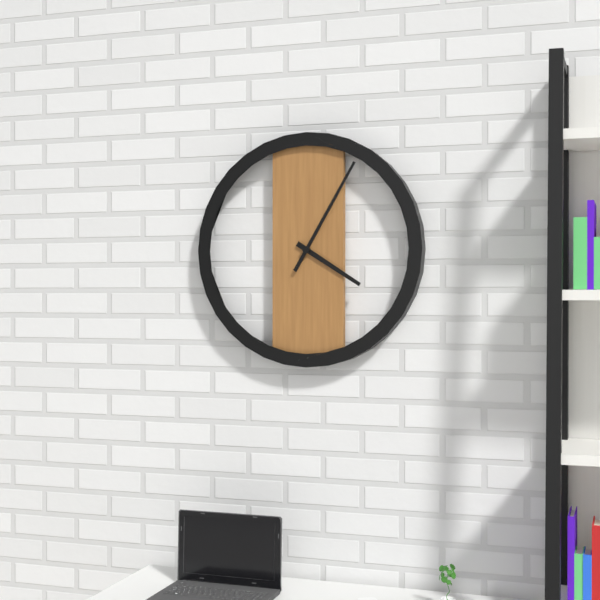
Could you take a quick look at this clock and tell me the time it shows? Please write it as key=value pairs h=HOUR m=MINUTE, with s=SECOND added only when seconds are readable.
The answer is h=4 m=5
